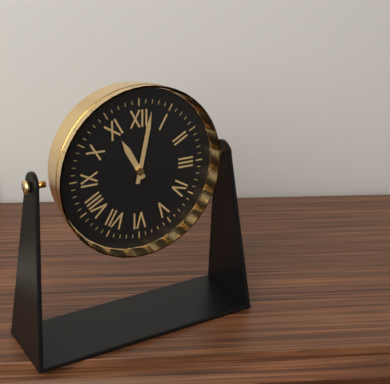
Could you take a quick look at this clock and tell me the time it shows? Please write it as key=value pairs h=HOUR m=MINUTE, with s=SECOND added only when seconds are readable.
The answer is h=11 m=2
